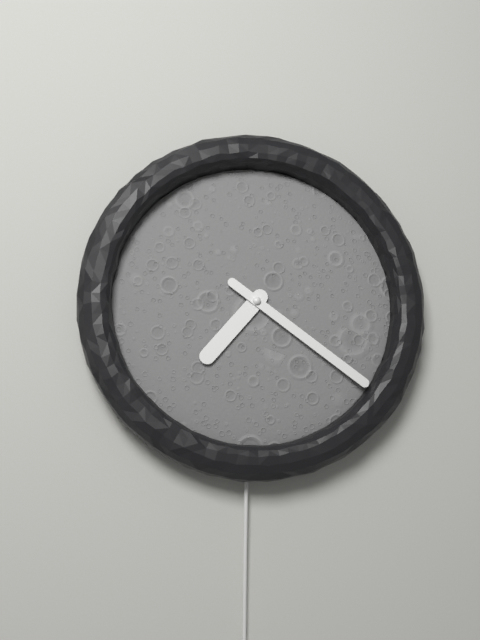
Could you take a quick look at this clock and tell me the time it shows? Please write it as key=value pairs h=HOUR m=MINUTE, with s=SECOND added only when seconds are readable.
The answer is h=7 m=21
